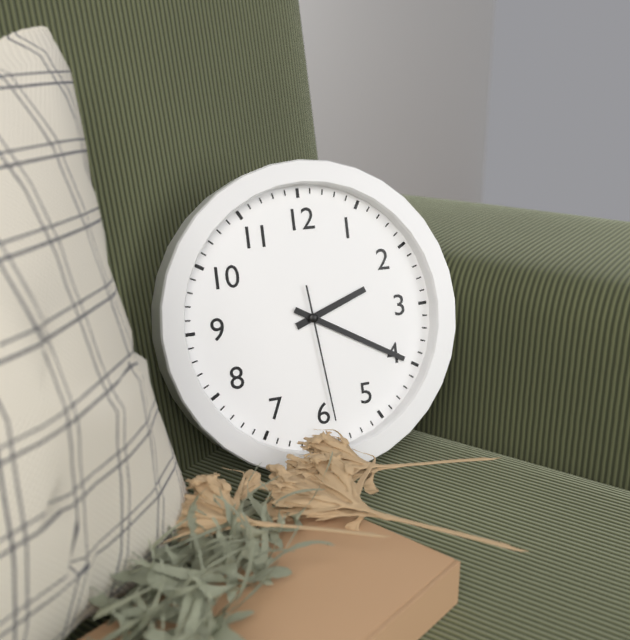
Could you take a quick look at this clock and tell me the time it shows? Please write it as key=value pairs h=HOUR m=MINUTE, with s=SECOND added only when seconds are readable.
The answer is h=2 m=20 s=29
